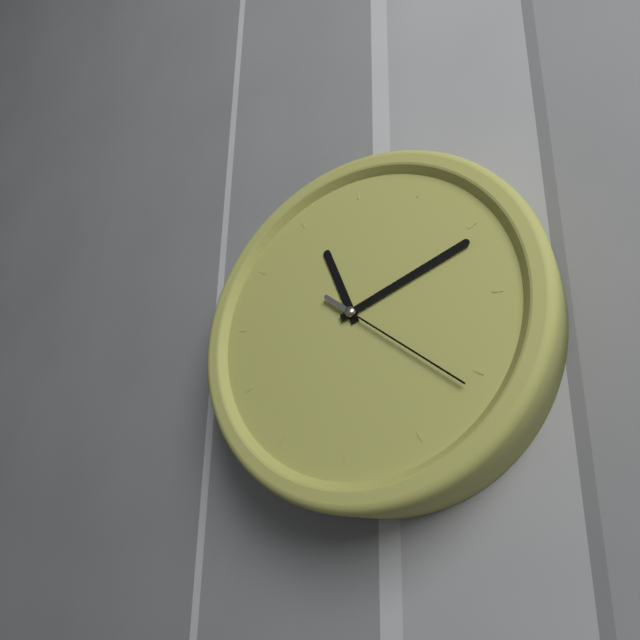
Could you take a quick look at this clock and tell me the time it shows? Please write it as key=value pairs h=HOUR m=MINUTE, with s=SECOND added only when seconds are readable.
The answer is h=11 m=11 s=21
